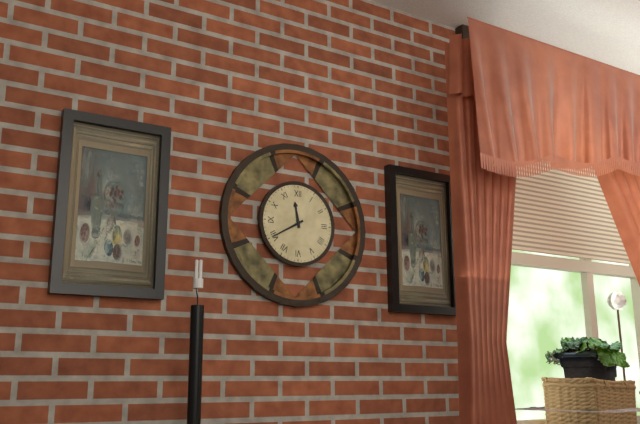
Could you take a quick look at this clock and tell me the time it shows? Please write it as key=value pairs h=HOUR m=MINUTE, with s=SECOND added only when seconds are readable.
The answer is h=11 m=40
